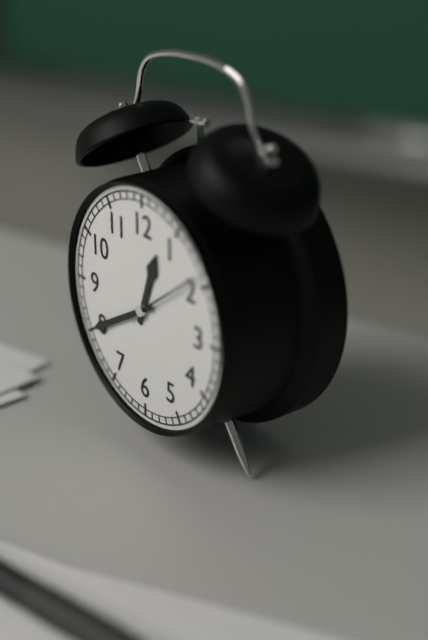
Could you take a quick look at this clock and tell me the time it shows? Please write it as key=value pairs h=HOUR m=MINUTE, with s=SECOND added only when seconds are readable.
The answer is h=12 m=40
